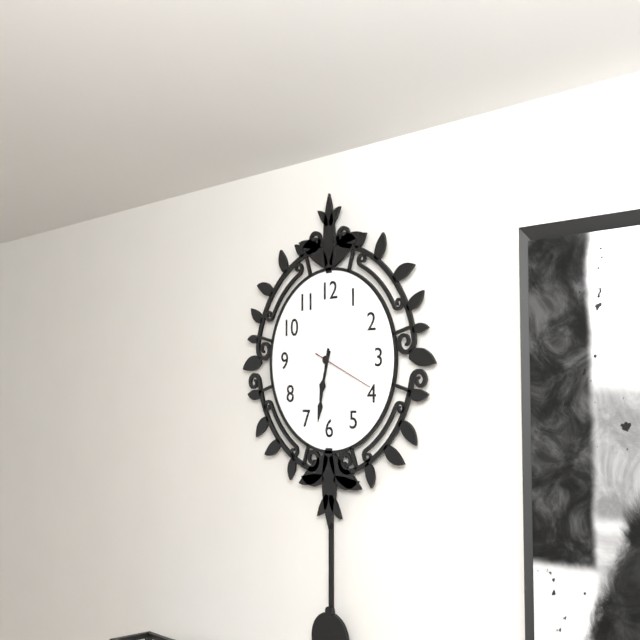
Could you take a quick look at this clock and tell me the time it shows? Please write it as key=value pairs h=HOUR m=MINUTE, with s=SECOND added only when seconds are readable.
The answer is h=6 m=32 s=19
